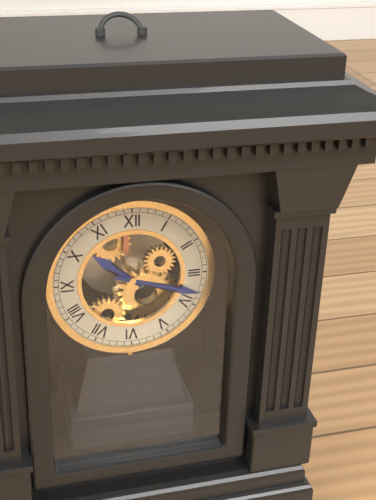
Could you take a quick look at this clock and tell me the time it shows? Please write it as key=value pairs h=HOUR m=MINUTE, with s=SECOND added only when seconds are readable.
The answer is h=10 m=18
